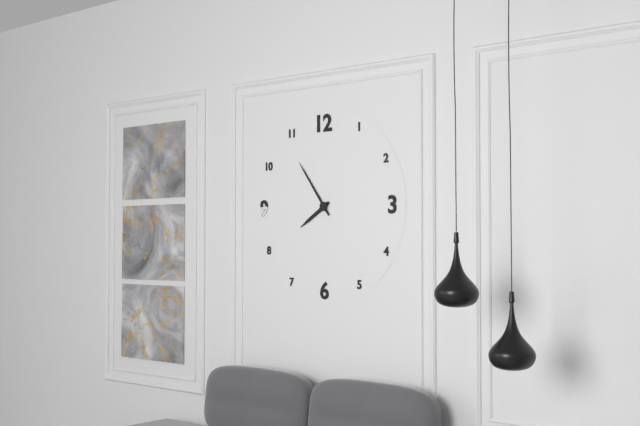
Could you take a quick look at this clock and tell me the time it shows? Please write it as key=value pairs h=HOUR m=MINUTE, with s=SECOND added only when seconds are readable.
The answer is h=7 m=54
